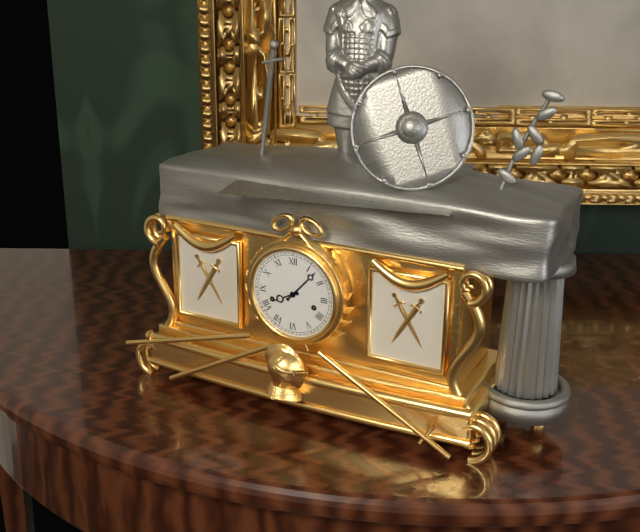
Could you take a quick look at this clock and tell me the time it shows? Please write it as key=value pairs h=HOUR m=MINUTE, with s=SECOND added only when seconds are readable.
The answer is h=8 m=7
